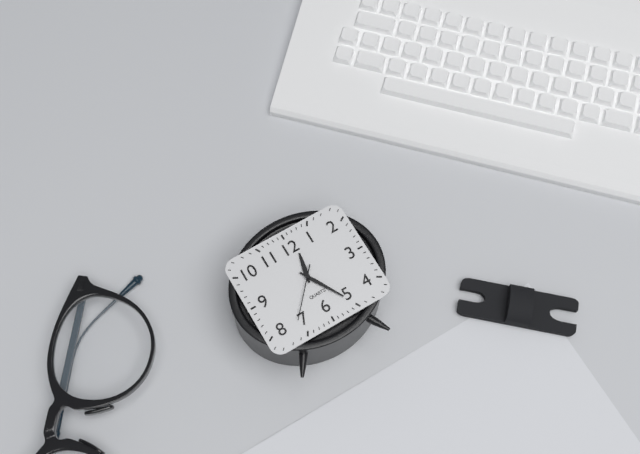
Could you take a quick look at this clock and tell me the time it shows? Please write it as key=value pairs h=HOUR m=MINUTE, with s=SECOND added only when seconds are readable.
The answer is h=12 m=25 s=37
